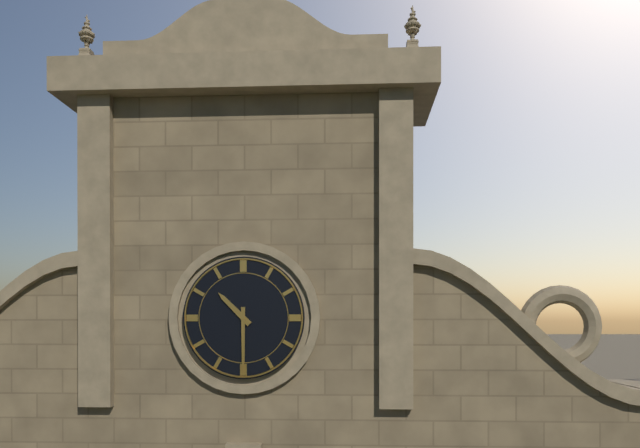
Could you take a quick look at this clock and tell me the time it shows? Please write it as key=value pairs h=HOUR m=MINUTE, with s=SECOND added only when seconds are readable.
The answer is h=10 m=30
